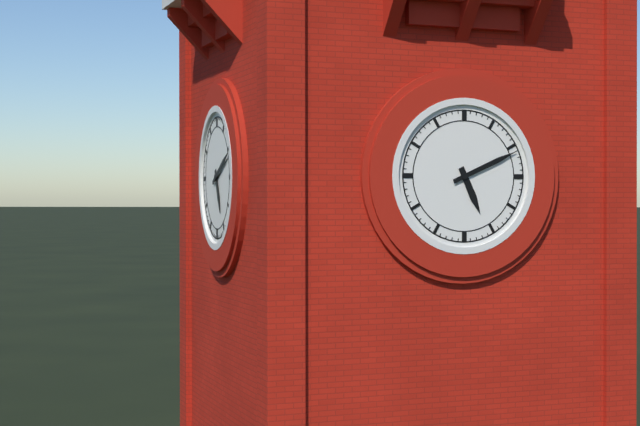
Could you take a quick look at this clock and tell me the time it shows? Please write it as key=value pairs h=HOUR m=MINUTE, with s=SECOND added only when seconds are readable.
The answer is h=5 m=11
